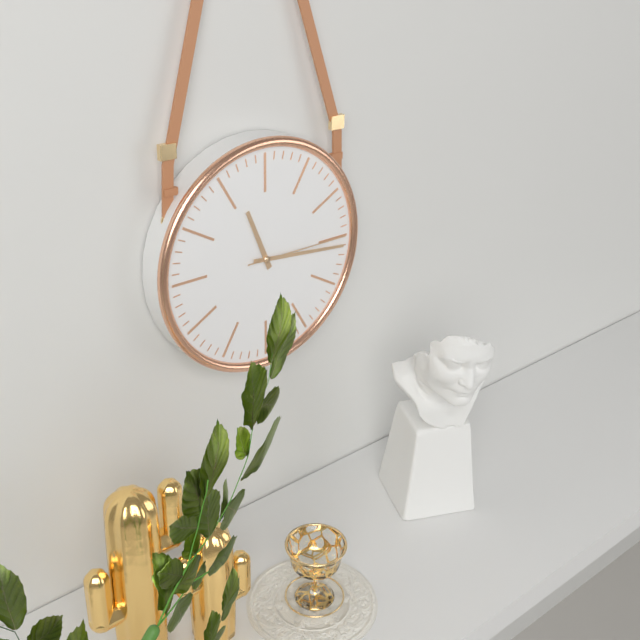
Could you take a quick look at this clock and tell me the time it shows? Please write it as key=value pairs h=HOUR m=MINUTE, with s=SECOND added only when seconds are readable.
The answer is h=11 m=16 s=15
